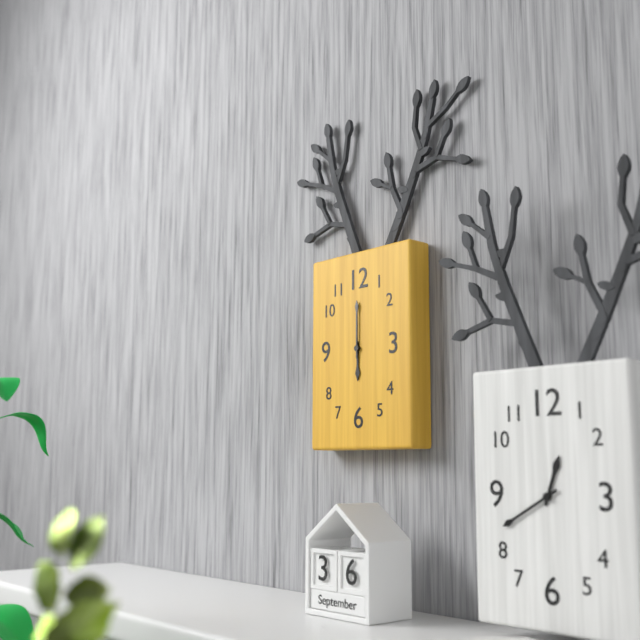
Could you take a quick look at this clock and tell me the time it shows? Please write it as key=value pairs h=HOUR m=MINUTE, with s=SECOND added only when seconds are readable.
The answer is h=6 m=0
